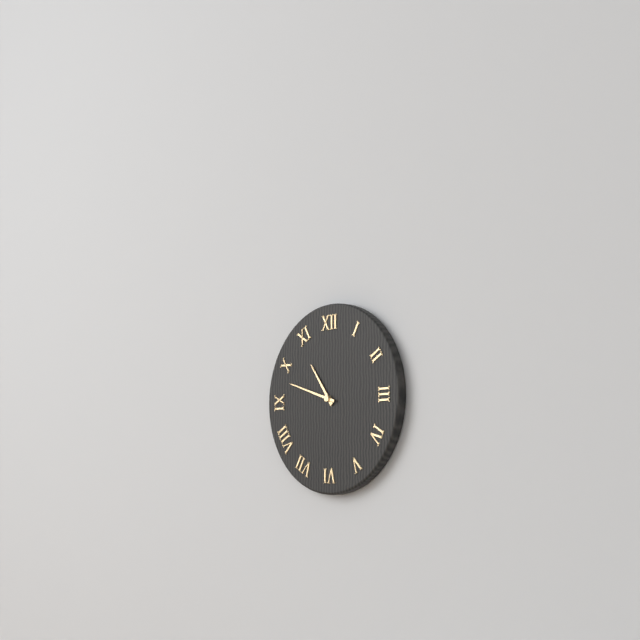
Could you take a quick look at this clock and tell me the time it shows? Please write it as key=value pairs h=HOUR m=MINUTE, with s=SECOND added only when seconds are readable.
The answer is h=10 m=48
